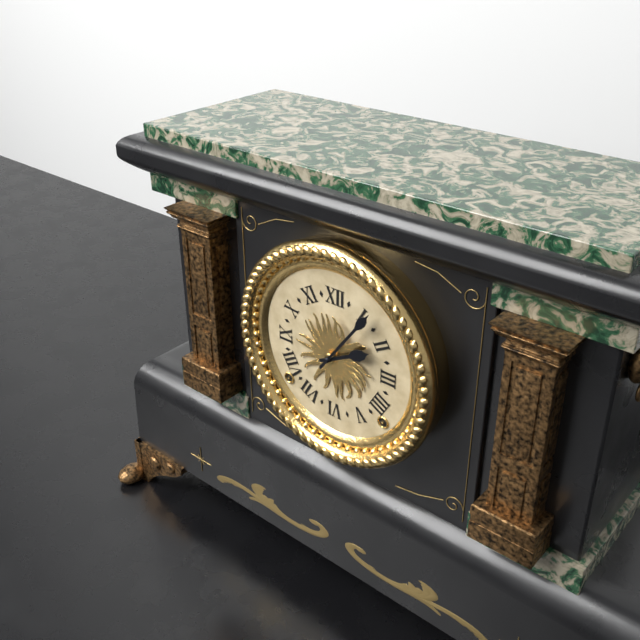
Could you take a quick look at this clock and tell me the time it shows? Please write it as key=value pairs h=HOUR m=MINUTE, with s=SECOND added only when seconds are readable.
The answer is h=2 m=6
